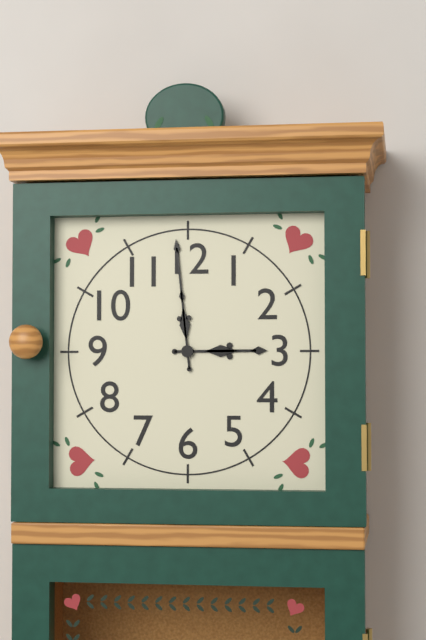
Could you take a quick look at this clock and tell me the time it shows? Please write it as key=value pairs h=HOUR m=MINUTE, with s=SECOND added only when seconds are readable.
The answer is h=2 m=59
